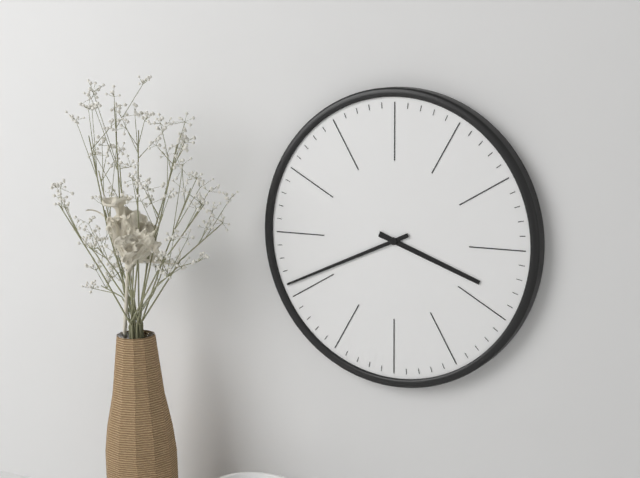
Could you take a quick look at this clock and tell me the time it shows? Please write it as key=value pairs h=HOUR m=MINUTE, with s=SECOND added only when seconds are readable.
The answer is h=3 m=41
